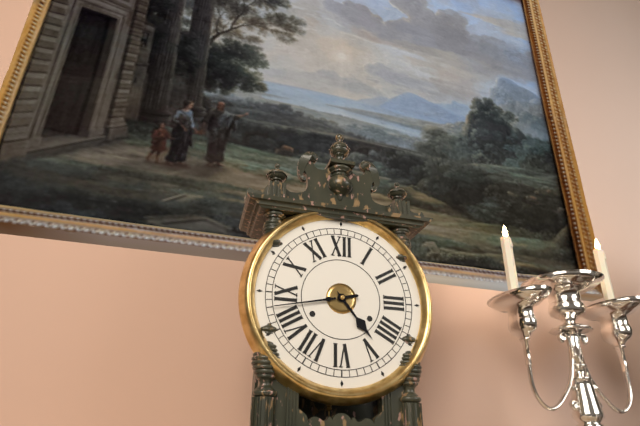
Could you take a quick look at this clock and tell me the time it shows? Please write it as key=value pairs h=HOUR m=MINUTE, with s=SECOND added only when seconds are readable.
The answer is h=4 m=43
